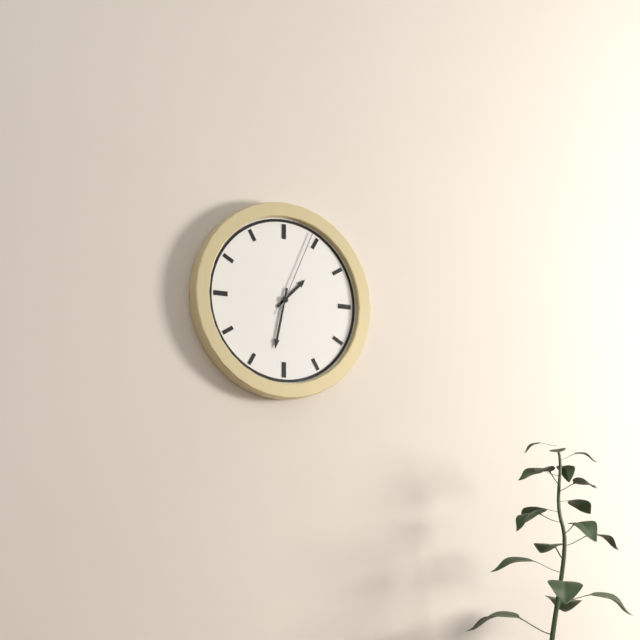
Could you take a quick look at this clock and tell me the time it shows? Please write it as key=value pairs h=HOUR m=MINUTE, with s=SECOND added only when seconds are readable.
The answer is h=1 m=32 s=4
